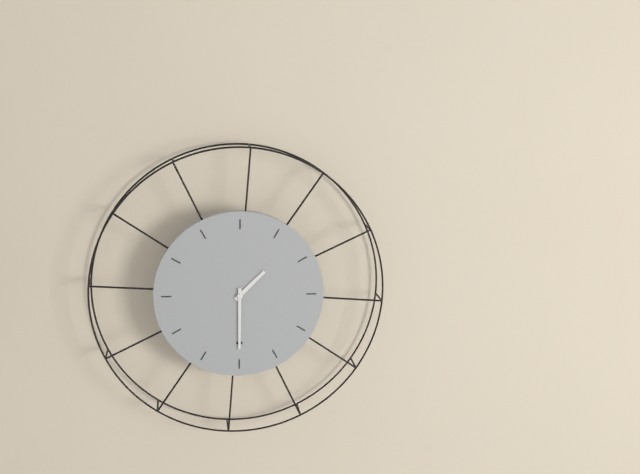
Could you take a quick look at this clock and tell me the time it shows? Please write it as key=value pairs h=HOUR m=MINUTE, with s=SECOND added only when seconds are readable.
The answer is h=1 m=30
